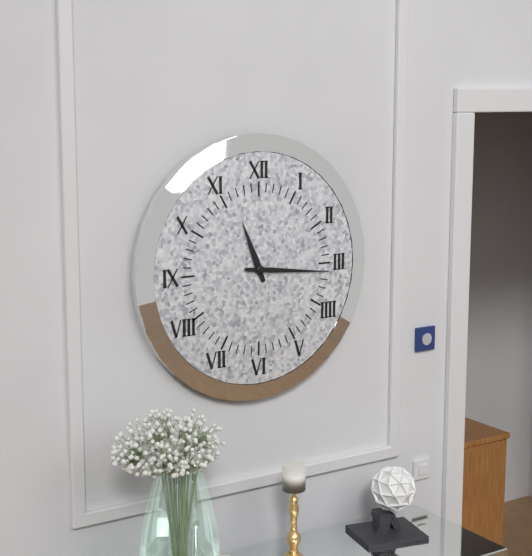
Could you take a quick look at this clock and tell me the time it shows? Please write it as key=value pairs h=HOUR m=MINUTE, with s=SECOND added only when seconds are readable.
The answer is h=11 m=16
